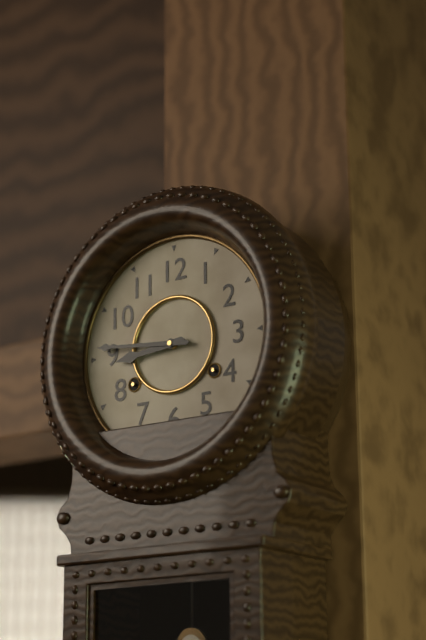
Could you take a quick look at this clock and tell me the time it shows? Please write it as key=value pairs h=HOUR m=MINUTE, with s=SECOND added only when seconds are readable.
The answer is h=8 m=46
